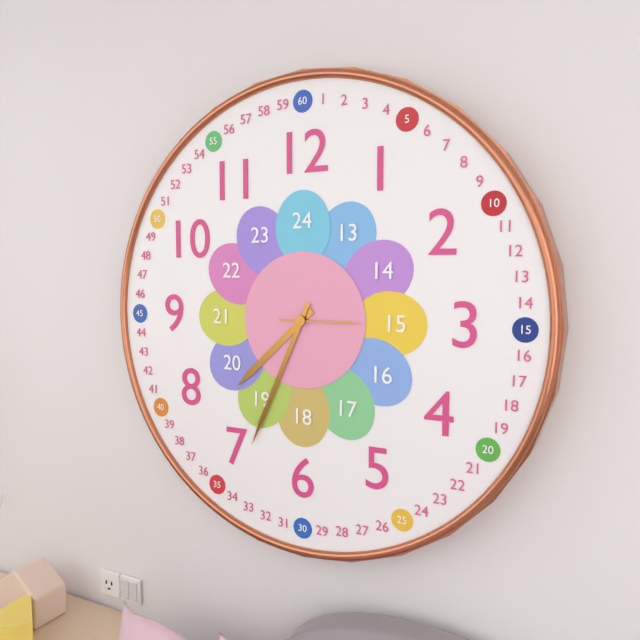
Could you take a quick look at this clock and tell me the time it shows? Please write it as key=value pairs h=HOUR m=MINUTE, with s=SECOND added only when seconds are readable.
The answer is h=7 m=34 s=15
